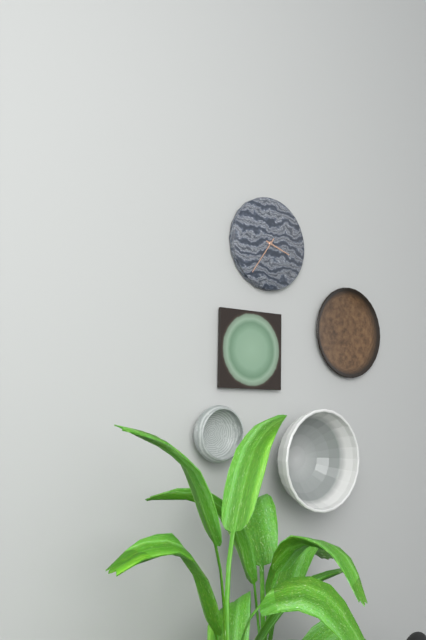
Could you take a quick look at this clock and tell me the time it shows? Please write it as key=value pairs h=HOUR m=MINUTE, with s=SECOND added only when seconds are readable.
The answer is h=3 m=36
